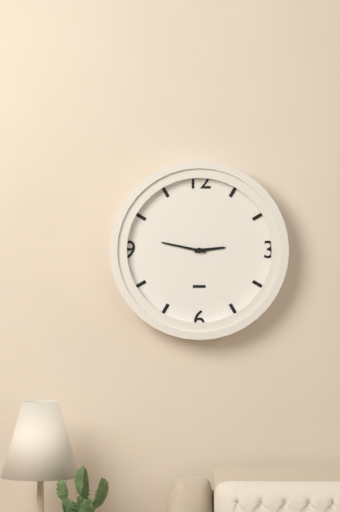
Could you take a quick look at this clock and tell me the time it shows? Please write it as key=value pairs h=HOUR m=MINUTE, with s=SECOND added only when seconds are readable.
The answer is h=2 m=47
